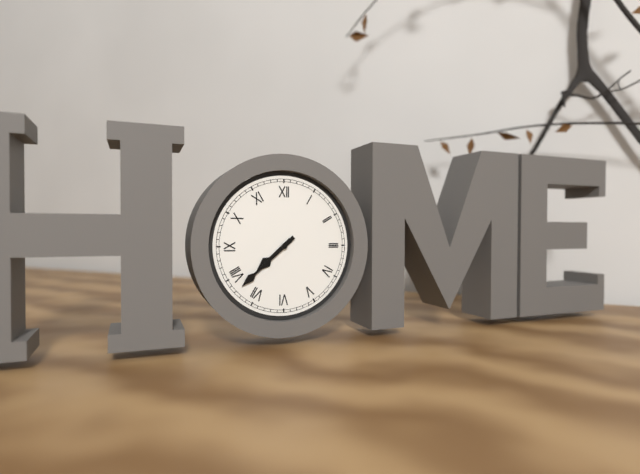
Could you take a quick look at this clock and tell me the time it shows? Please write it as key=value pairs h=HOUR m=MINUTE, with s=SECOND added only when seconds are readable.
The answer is h=7 m=38
